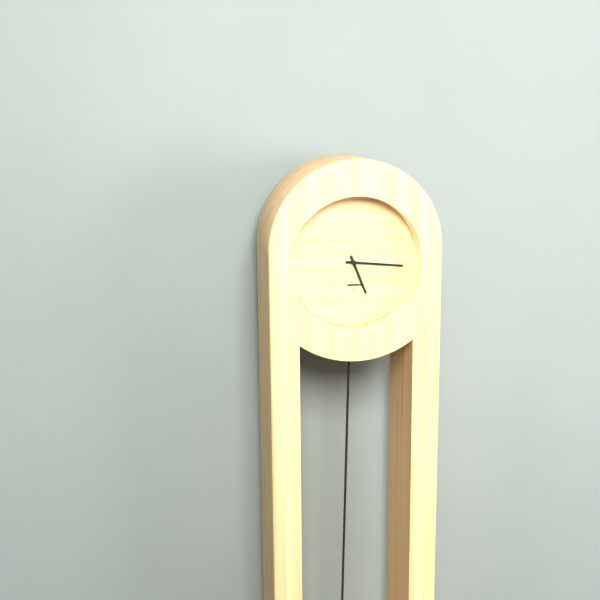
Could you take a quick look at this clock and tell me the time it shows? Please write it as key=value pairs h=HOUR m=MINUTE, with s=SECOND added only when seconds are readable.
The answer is h=5 m=16
